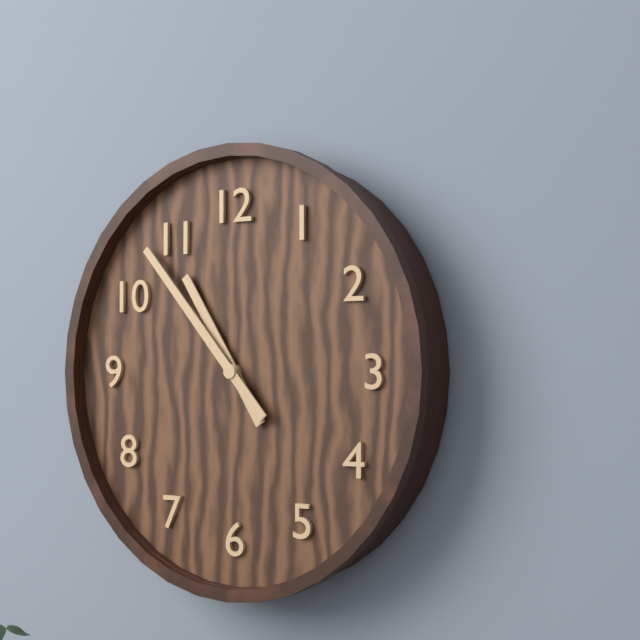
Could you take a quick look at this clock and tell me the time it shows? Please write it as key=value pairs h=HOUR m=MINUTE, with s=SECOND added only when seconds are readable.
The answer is h=10 m=53
